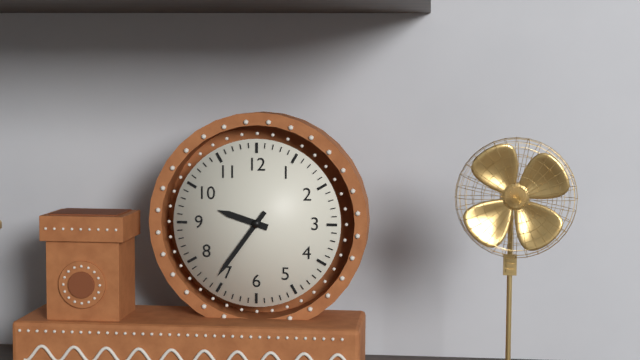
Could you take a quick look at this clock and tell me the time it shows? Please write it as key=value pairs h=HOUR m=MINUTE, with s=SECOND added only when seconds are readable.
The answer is h=9 m=36
